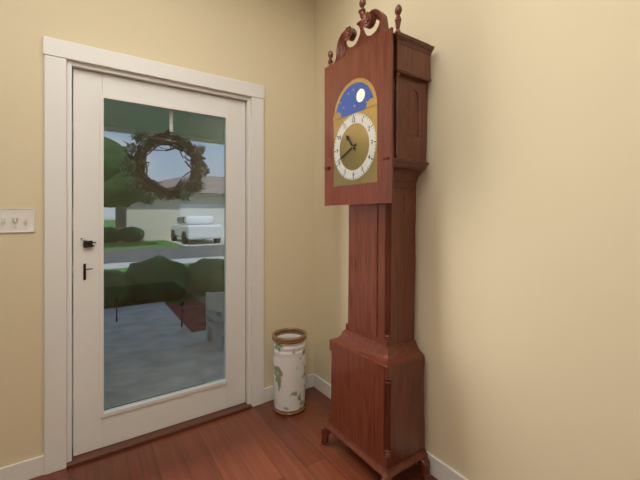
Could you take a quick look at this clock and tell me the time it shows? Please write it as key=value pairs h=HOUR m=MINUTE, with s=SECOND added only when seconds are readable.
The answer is h=10 m=41
